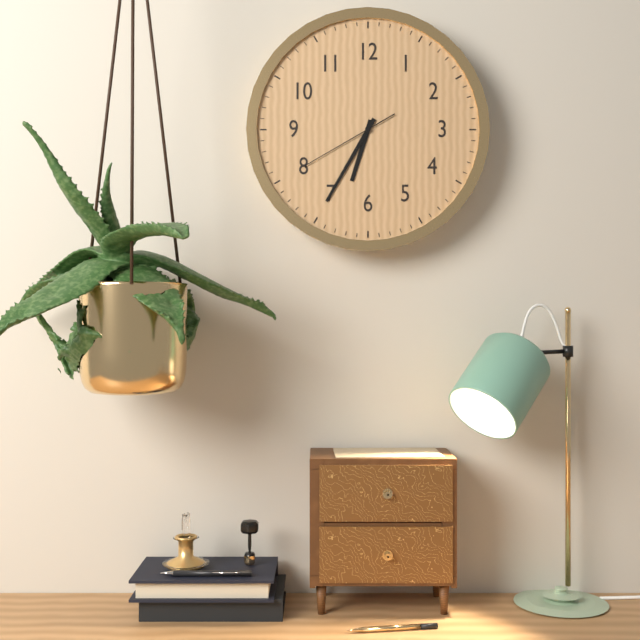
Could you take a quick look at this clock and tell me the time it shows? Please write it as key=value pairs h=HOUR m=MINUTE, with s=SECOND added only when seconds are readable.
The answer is h=6 m=35 s=40
